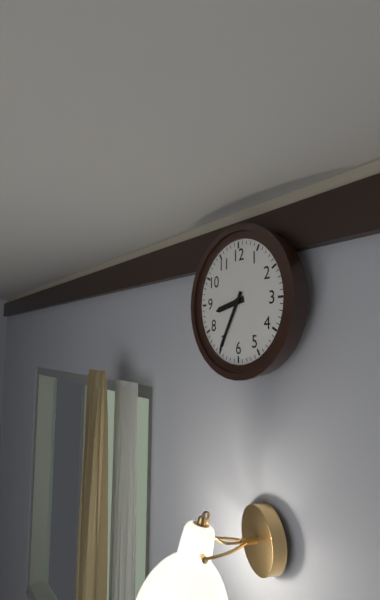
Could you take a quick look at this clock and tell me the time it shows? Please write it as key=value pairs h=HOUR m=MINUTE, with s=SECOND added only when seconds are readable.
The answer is h=8 m=35
